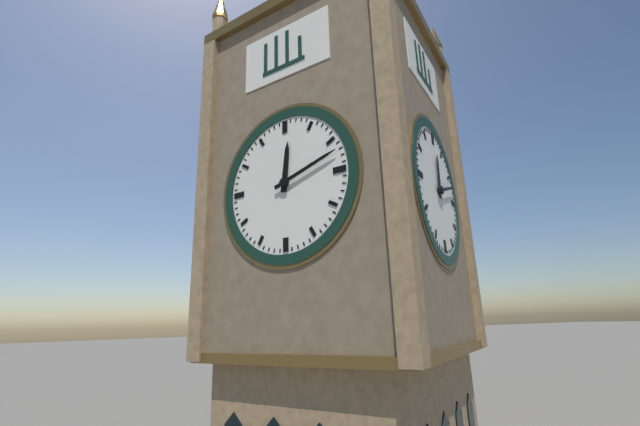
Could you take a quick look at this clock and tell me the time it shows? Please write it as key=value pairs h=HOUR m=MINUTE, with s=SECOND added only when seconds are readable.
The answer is h=12 m=12
